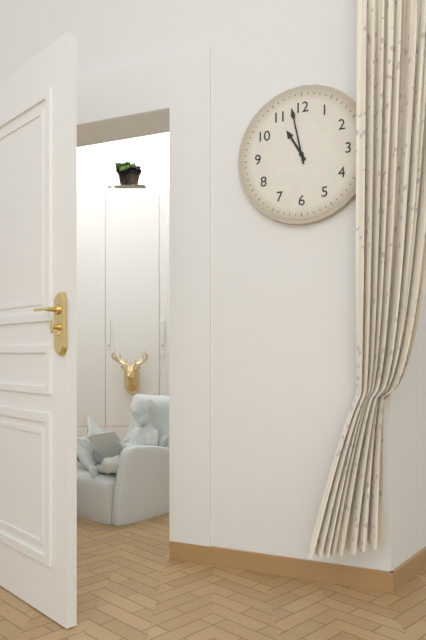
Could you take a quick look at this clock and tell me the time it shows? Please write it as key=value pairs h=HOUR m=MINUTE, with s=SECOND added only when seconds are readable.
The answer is h=10 m=58
